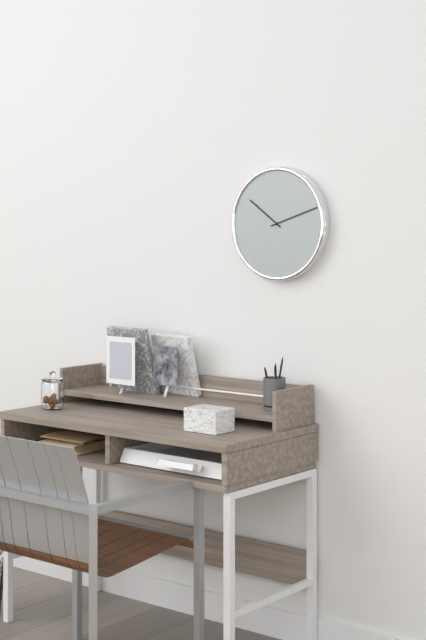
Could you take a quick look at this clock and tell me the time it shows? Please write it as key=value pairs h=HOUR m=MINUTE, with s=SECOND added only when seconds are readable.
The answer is h=10 m=12
